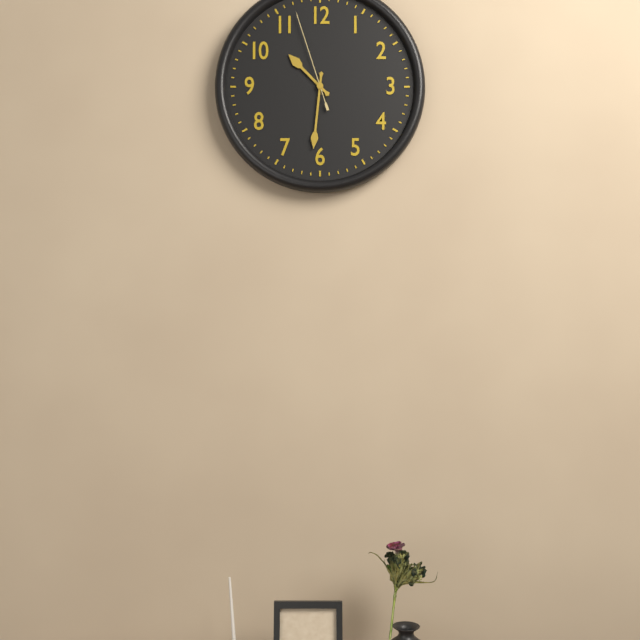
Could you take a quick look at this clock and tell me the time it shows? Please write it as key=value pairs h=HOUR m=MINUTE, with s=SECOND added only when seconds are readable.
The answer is h=10 m=31 s=57
